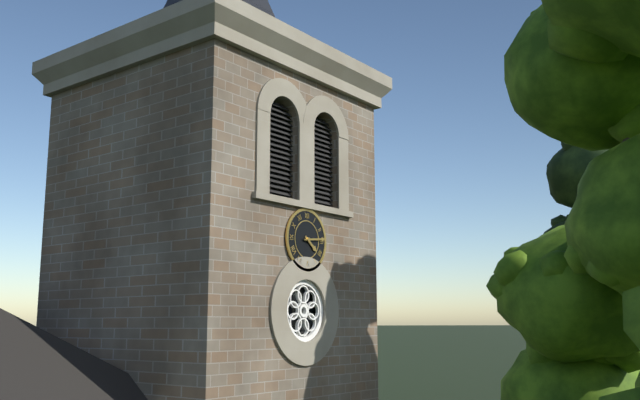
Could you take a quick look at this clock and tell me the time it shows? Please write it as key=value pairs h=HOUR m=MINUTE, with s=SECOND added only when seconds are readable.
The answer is h=4 m=14
